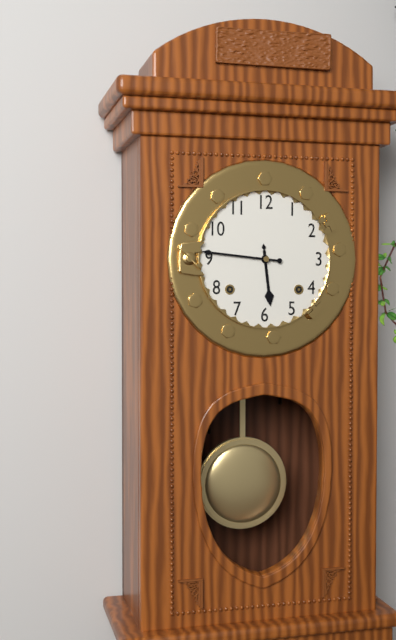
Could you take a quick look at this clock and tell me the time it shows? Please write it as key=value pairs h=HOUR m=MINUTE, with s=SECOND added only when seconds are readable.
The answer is h=5 m=46
